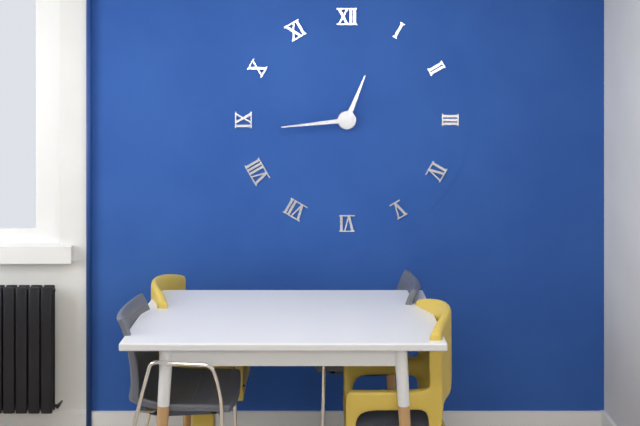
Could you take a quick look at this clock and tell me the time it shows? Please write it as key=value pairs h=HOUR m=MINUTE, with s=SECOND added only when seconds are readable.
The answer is h=12 m=44
